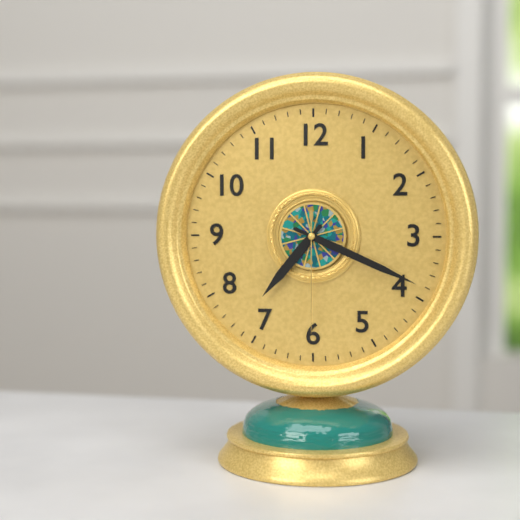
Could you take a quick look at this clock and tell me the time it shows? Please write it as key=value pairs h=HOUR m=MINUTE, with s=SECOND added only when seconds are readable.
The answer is h=7 m=19 s=30
